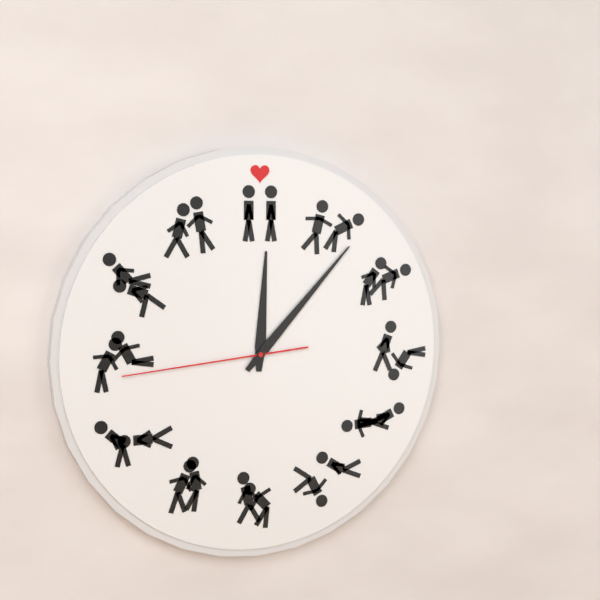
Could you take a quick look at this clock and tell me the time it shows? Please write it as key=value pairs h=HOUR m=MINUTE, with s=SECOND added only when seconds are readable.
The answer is h=12 m=7 s=44
